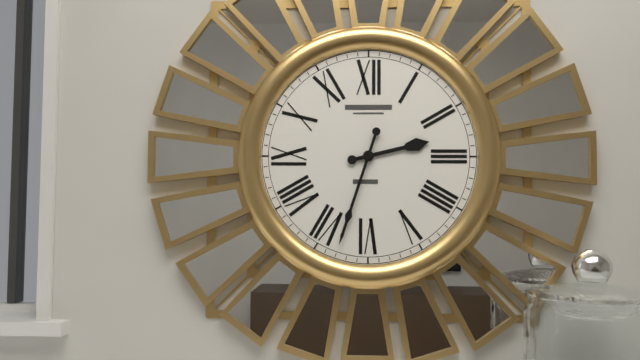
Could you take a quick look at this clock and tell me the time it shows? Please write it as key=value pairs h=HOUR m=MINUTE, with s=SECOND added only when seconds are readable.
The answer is h=2 m=33
